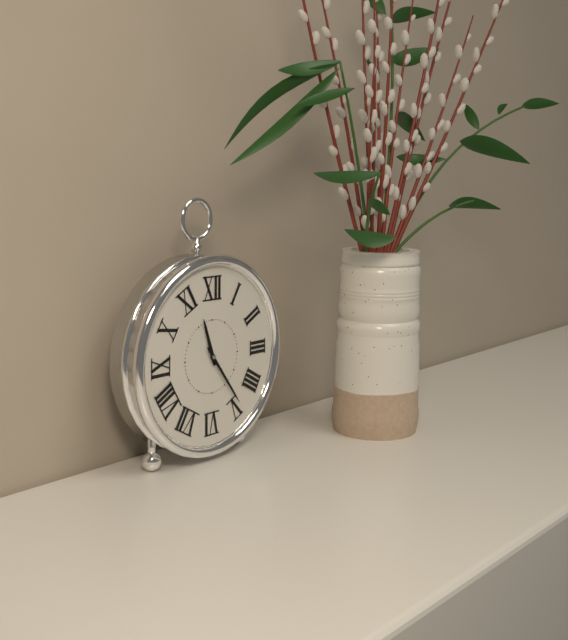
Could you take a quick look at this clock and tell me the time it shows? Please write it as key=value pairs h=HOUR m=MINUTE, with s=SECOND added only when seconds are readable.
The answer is h=11 m=24
